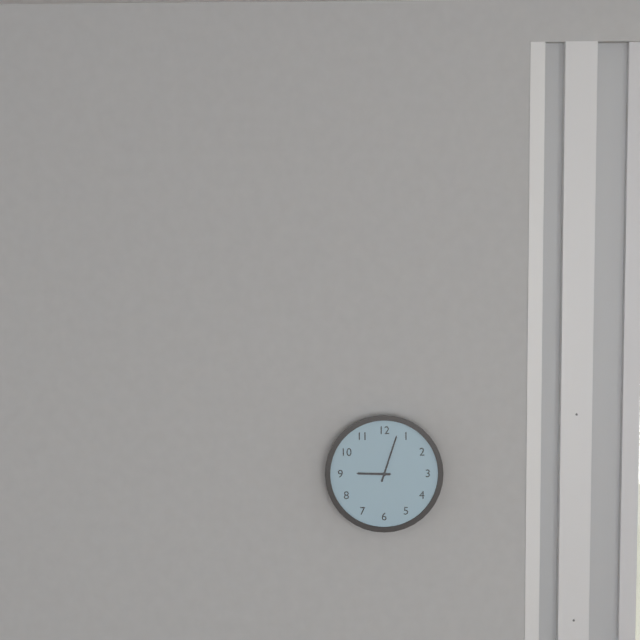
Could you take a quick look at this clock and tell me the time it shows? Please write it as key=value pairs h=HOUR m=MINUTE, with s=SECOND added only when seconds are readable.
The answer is h=9 m=3
